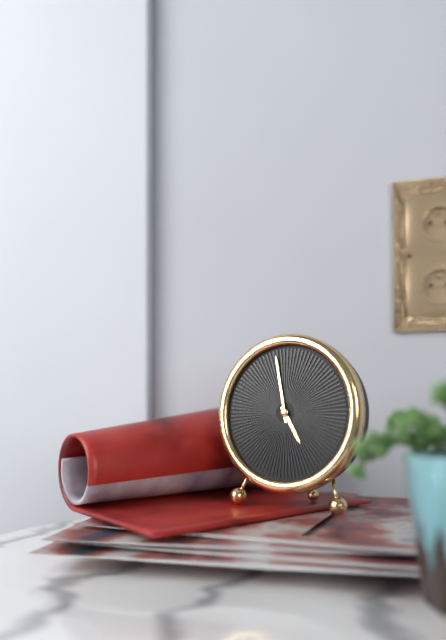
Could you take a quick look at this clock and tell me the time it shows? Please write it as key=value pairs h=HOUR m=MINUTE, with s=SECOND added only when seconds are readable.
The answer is h=4 m=58
